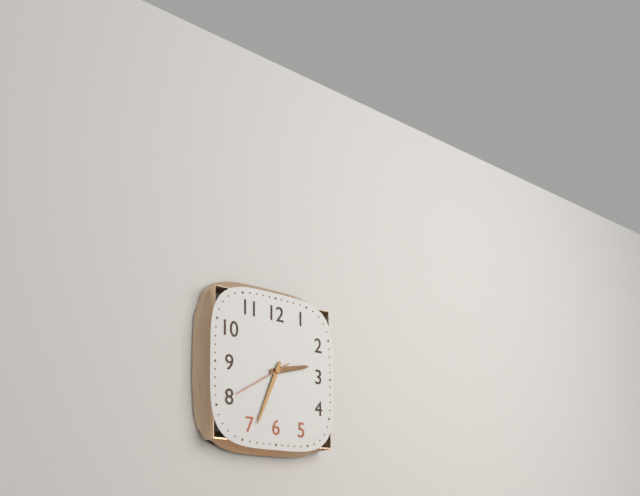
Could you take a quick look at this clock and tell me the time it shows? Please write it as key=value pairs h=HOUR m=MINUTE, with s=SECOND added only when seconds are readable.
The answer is h=2 m=34 s=40
